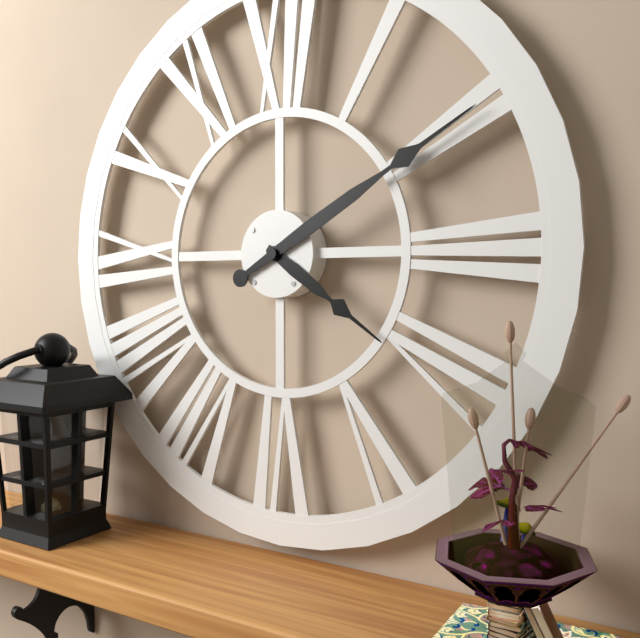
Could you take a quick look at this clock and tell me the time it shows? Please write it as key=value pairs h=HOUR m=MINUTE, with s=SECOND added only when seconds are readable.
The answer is h=4 m=10
